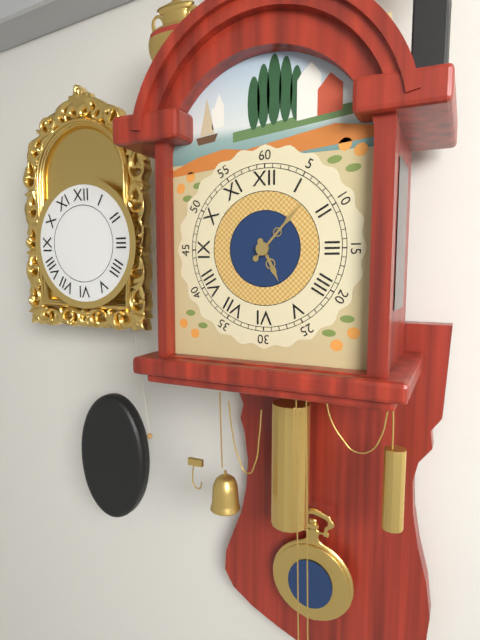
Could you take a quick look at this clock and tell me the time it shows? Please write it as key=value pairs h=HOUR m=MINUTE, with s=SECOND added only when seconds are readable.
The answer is h=5 m=7
